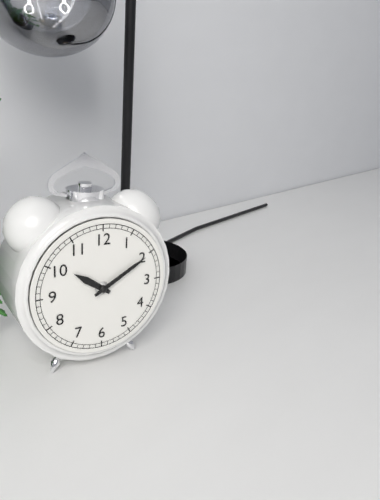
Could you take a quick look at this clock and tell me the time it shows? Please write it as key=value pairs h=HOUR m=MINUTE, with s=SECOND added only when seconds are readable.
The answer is h=10 m=10
